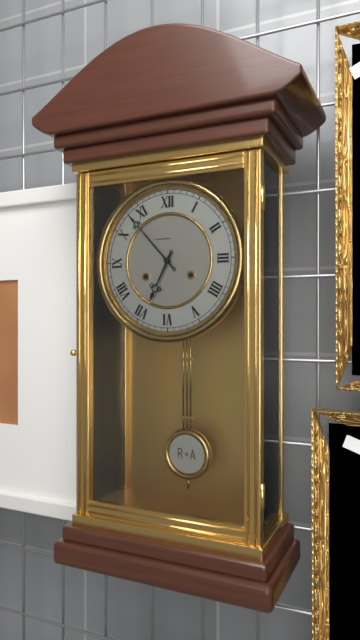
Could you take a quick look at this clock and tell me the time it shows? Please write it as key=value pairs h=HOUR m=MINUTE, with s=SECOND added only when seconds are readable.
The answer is h=6 m=53
